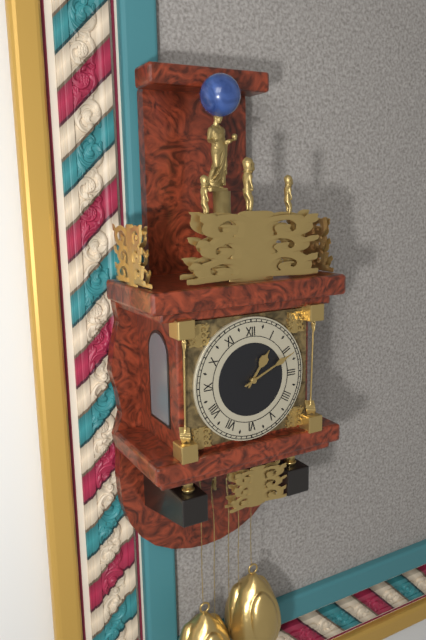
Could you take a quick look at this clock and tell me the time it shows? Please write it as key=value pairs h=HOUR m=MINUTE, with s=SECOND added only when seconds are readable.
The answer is h=1 m=11
